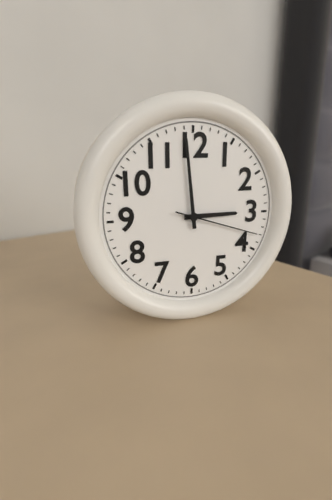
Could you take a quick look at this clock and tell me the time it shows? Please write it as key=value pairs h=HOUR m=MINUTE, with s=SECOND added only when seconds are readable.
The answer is h=2 m=59 s=18
